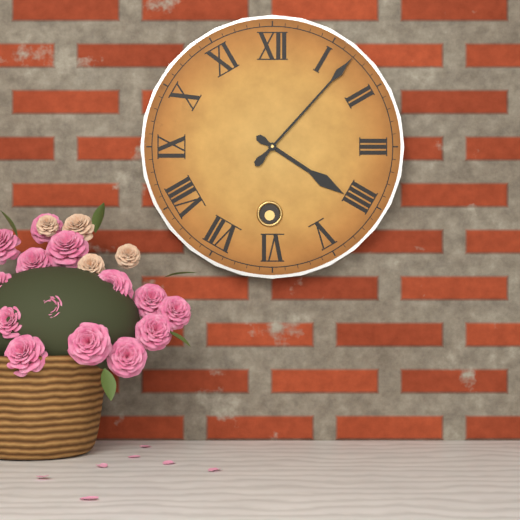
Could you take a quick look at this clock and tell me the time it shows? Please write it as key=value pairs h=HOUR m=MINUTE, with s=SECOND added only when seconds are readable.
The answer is h=4 m=7
